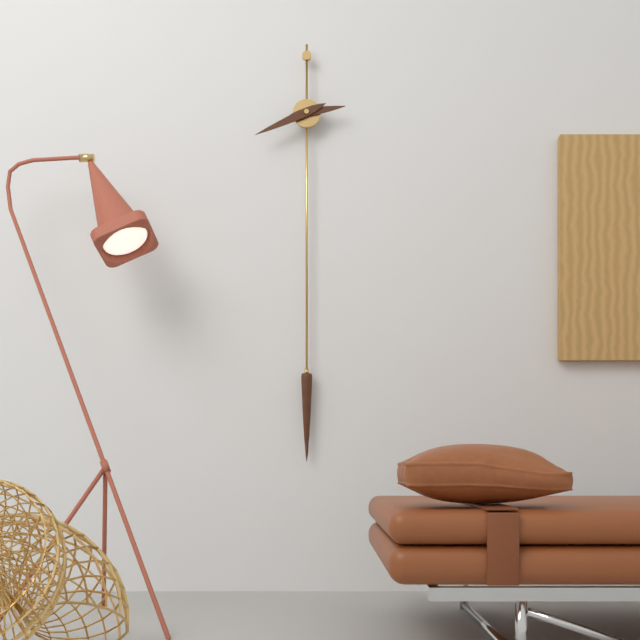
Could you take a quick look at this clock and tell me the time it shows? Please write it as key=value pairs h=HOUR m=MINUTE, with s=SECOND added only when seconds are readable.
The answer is h=2 m=41
